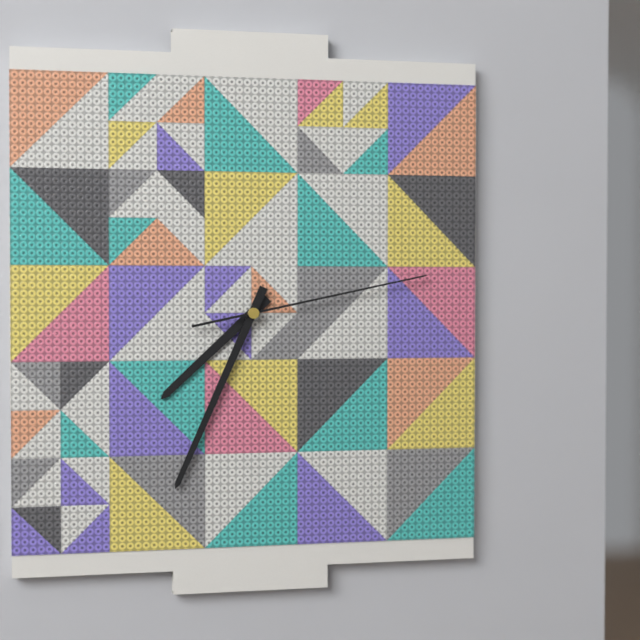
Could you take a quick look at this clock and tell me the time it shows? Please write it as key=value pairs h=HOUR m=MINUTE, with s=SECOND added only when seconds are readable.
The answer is h=7 m=34 s=13
